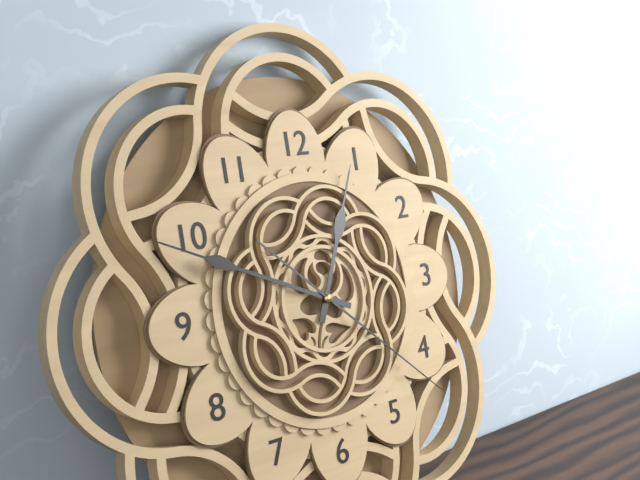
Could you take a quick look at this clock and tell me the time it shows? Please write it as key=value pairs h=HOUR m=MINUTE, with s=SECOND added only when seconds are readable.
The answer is h=12 m=49 s=22
